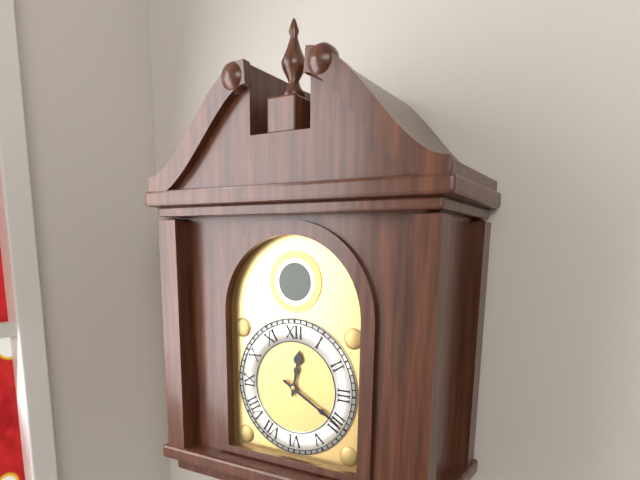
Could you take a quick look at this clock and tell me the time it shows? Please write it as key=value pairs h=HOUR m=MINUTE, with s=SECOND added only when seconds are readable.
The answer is h=12 m=20
